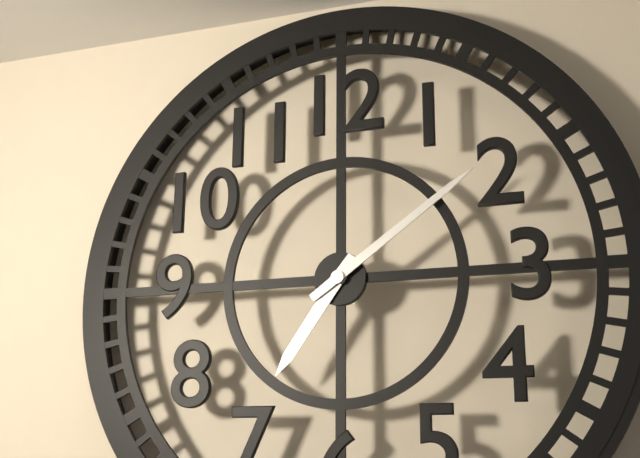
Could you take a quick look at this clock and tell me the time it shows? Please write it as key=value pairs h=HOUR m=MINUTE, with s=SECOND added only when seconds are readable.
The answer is h=7 m=9
